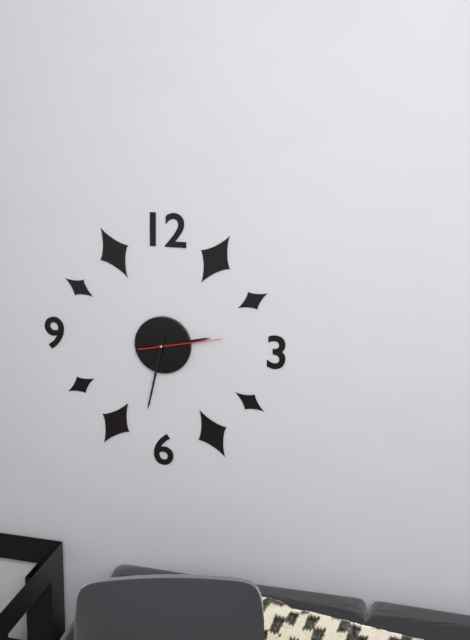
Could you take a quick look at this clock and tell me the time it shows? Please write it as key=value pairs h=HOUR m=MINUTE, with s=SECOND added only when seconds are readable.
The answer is h=2 m=32 s=13
